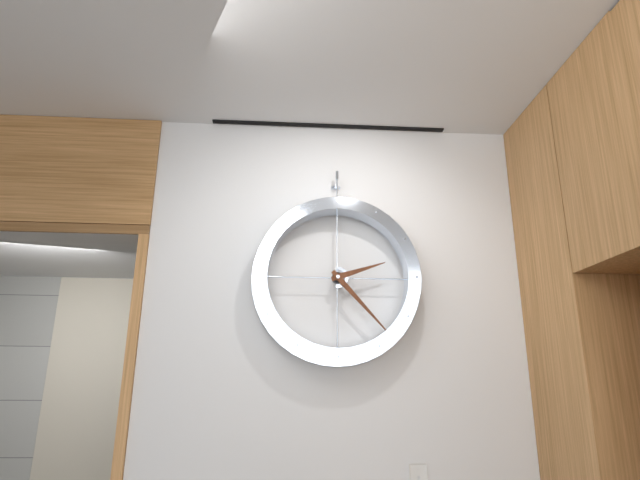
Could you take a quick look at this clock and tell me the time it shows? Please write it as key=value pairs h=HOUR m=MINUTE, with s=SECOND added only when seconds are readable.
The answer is h=2 m=23
